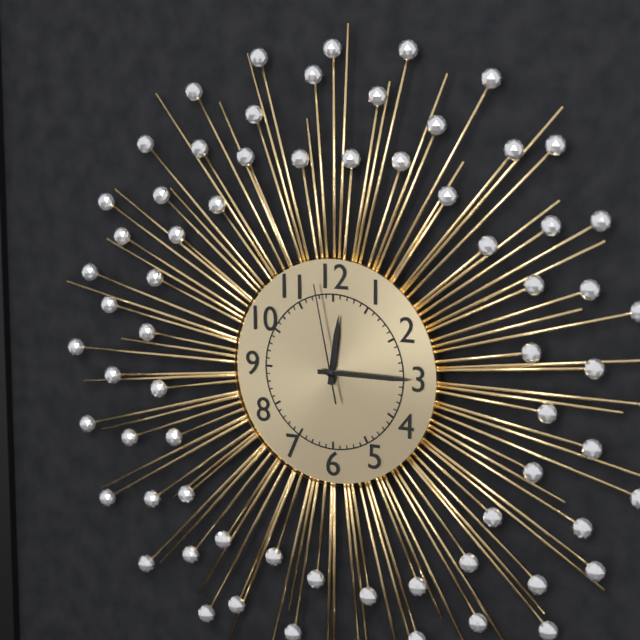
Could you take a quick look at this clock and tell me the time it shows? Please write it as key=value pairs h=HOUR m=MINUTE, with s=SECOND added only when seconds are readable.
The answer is h=12 m=15 s=58
